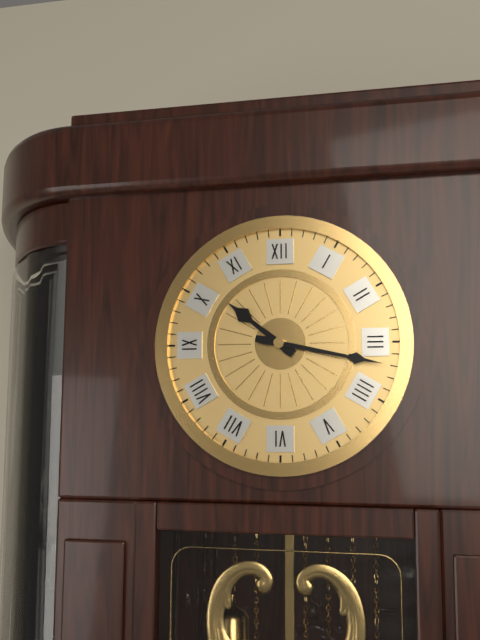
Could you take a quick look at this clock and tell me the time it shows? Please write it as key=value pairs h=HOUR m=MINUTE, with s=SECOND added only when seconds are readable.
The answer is h=10 m=17
